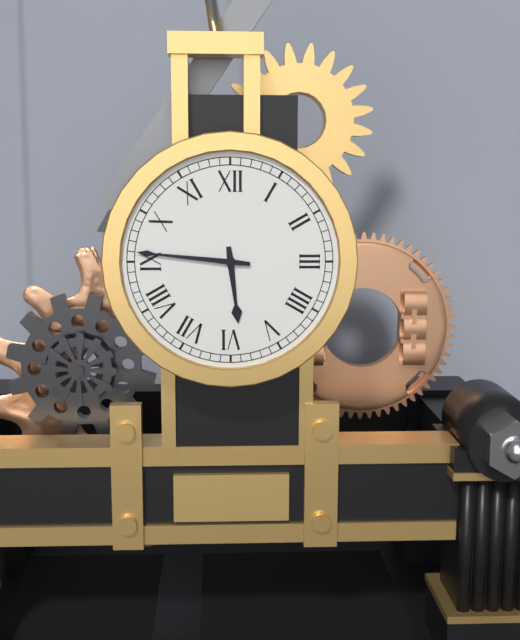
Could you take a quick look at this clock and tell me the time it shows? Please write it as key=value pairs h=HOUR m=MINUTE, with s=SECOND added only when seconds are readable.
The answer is h=5 m=46
